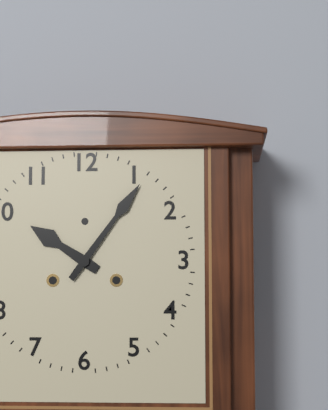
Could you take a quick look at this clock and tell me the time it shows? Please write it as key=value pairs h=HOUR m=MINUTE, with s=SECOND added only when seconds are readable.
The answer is h=10 m=6
